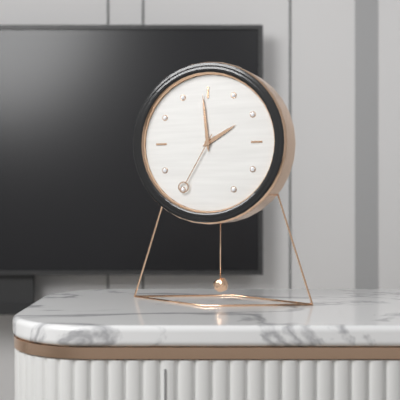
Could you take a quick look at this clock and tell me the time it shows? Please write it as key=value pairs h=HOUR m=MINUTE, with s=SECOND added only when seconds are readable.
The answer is h=1 m=59 s=35
